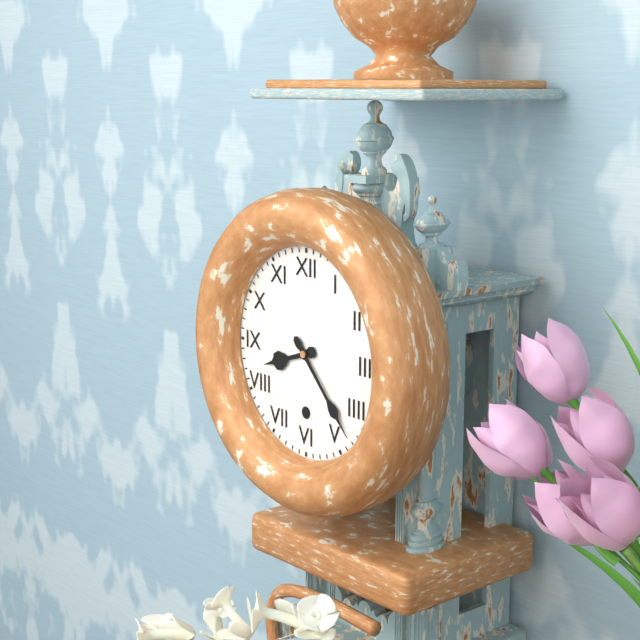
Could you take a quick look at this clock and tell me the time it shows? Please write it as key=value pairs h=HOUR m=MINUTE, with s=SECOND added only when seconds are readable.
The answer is h=8 m=23
